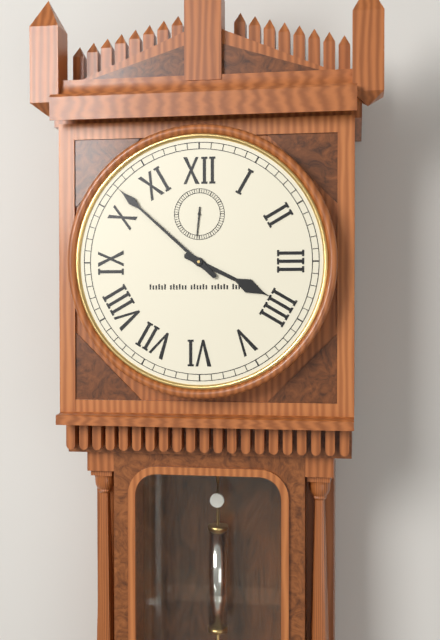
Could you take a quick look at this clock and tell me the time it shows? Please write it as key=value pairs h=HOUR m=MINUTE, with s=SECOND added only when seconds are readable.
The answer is h=3 m=52
